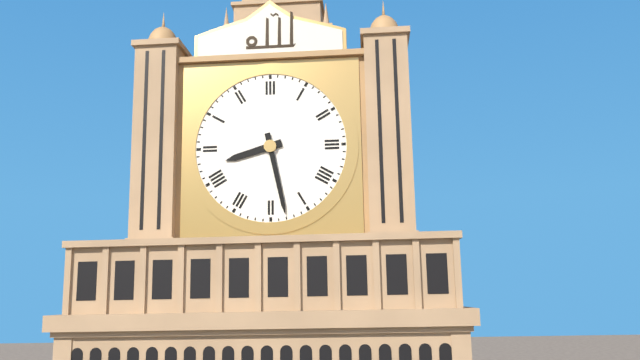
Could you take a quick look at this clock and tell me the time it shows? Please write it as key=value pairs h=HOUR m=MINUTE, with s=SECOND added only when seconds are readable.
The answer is h=8 m=28
